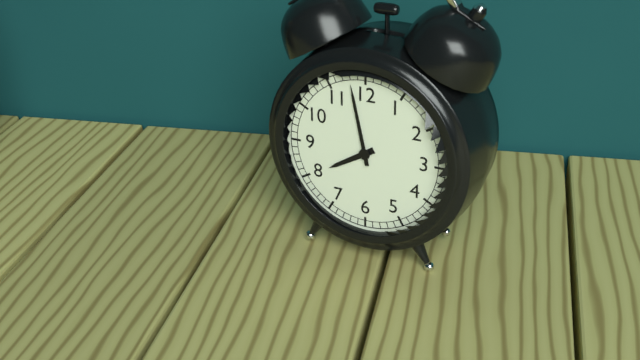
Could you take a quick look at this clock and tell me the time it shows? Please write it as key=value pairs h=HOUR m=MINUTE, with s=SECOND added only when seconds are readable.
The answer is h=7 m=58
